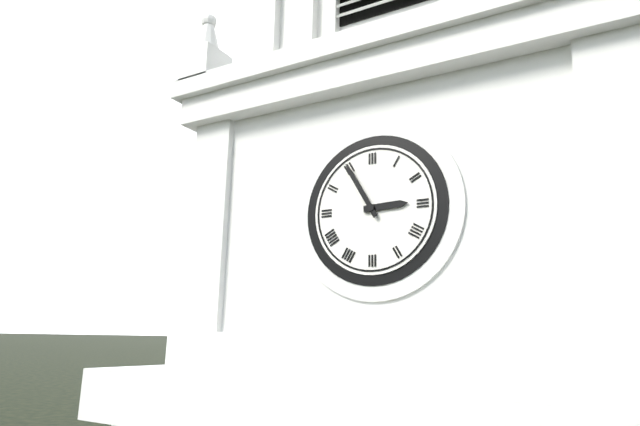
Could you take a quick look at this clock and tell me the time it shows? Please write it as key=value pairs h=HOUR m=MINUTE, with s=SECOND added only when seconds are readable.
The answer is h=2 m=55
